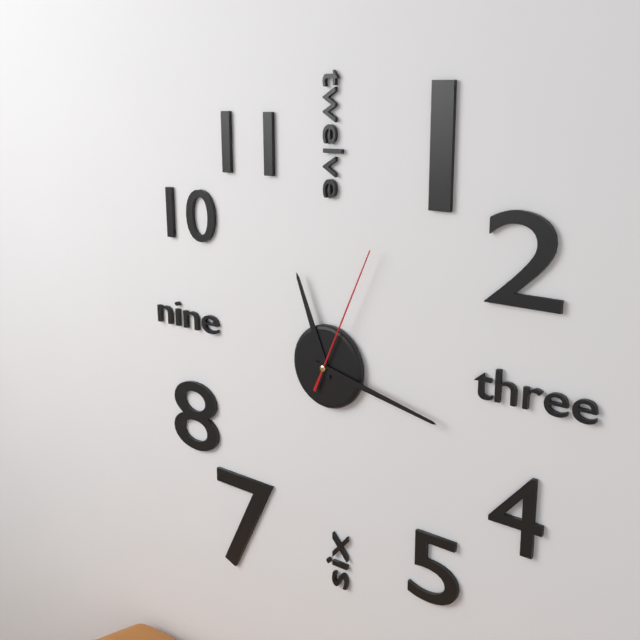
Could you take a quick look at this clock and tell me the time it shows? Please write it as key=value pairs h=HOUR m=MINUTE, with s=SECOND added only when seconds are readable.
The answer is h=11 m=17 s=4
